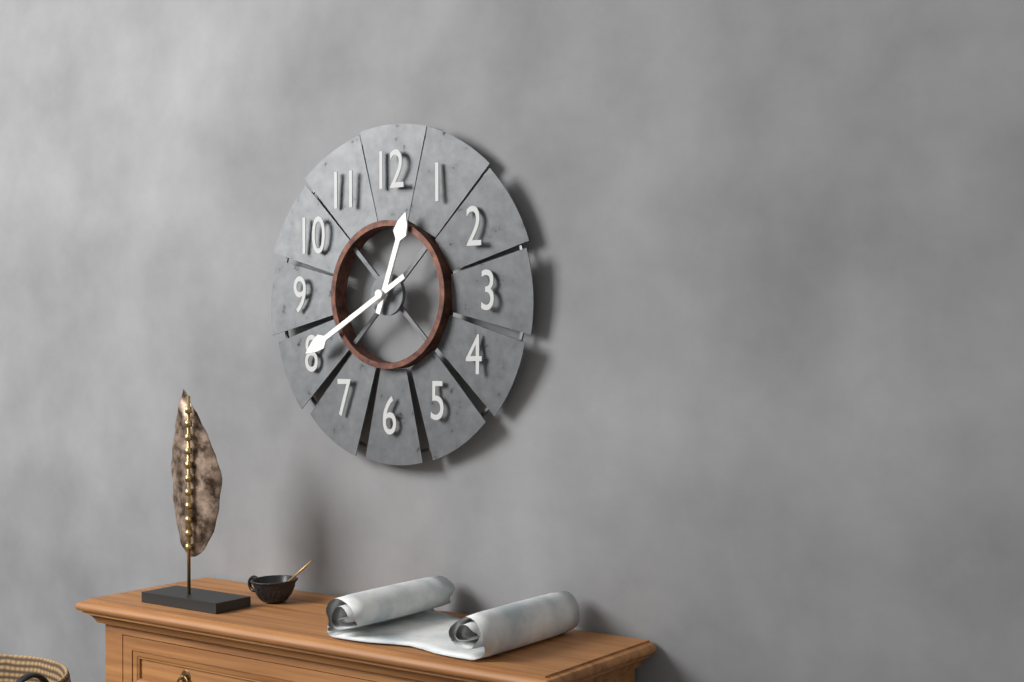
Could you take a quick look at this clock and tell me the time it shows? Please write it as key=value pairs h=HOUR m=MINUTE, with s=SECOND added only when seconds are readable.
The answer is h=12 m=40
